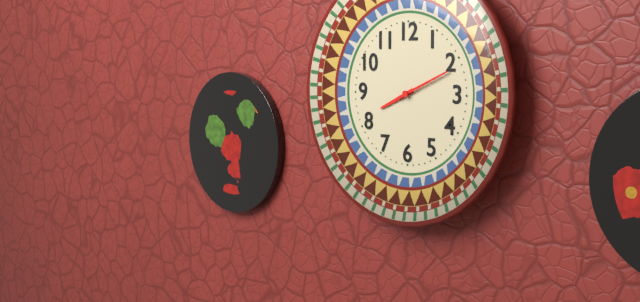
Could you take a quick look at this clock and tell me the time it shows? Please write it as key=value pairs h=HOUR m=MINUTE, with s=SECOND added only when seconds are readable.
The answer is h=8 m=11
